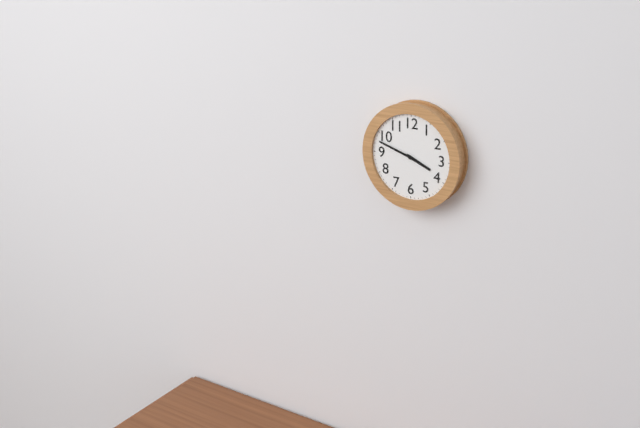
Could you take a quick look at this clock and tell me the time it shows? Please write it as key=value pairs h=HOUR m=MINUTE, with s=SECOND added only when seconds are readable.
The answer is h=3 m=48
